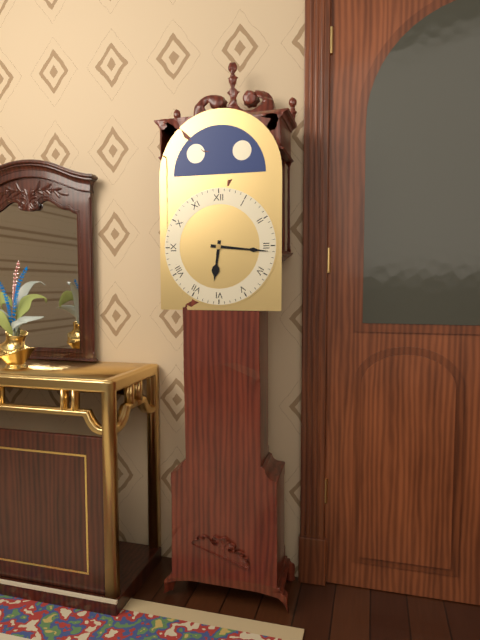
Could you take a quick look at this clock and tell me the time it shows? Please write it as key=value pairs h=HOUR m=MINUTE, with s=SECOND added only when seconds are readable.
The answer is h=6 m=16
